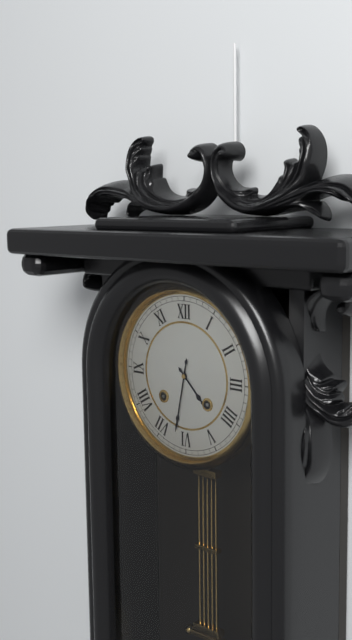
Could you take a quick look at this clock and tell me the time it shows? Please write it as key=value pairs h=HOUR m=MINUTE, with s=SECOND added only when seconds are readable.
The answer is h=4 m=32
